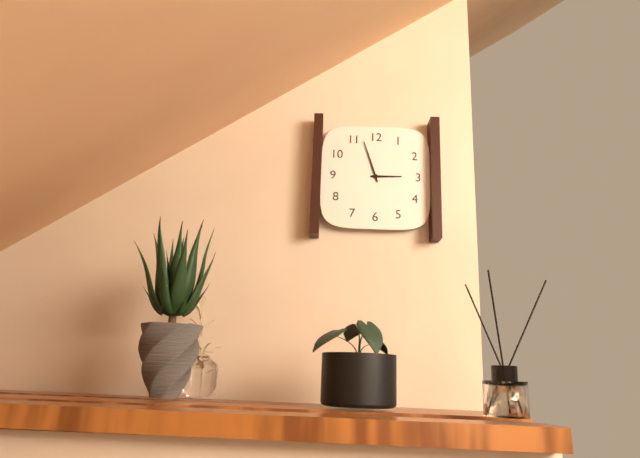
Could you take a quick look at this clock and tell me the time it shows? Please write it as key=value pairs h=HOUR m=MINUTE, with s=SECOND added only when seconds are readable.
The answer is h=2 m=57
